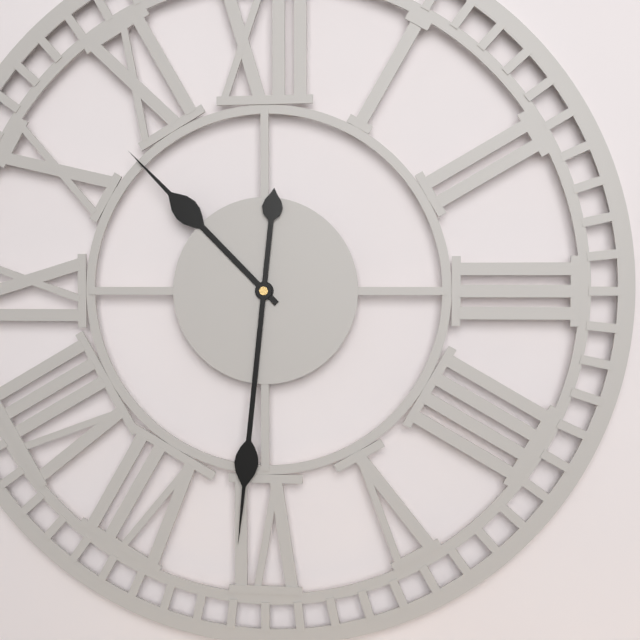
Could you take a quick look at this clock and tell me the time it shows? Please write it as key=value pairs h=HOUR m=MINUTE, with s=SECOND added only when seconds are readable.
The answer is h=10 m=31
